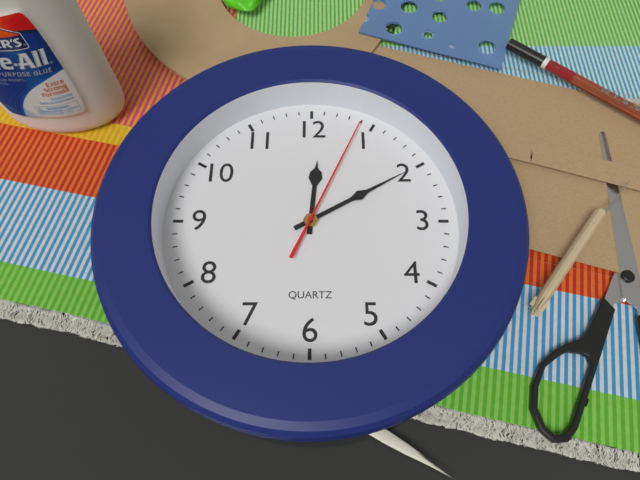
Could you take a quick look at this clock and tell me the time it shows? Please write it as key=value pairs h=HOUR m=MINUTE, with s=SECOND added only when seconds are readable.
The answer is h=12 m=10 s=4
